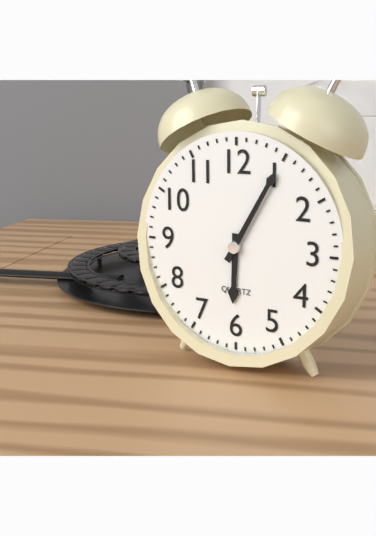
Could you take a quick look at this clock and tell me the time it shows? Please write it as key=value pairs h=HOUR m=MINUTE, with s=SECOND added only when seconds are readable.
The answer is h=6 m=5
